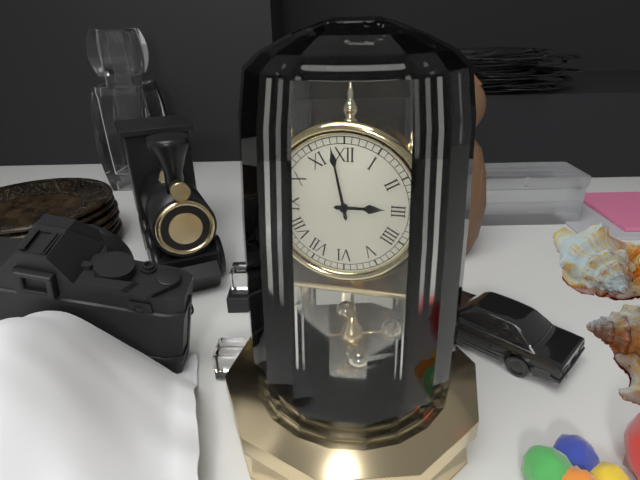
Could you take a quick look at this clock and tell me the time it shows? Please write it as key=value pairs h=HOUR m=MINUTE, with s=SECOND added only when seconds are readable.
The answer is h=2 m=58
